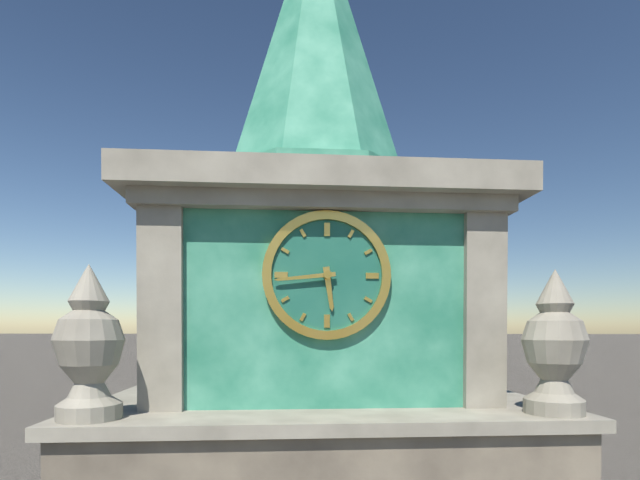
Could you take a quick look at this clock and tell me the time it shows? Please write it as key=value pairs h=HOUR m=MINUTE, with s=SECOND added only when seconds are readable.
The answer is h=5 m=44
